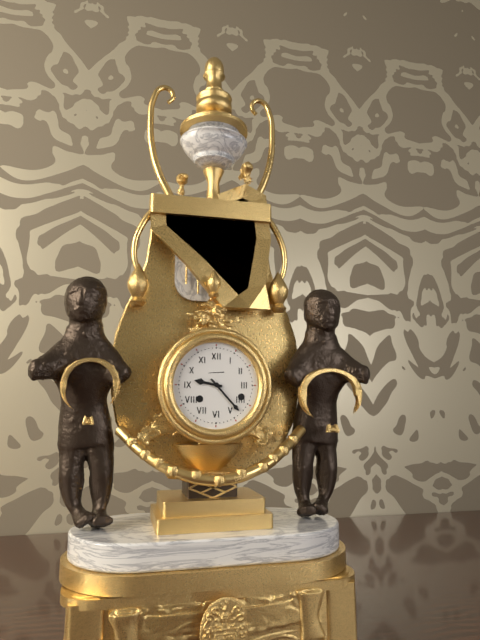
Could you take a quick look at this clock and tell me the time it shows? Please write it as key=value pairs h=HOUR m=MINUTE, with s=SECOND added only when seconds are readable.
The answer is h=9 m=23
